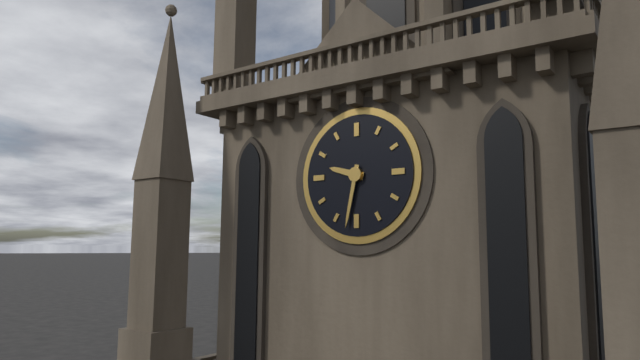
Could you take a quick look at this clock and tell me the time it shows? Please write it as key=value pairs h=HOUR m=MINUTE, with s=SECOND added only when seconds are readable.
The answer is h=9 m=32
